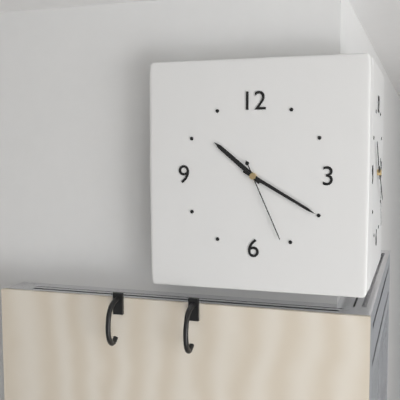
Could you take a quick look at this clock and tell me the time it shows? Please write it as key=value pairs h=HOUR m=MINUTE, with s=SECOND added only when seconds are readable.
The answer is h=10 m=20 s=26
